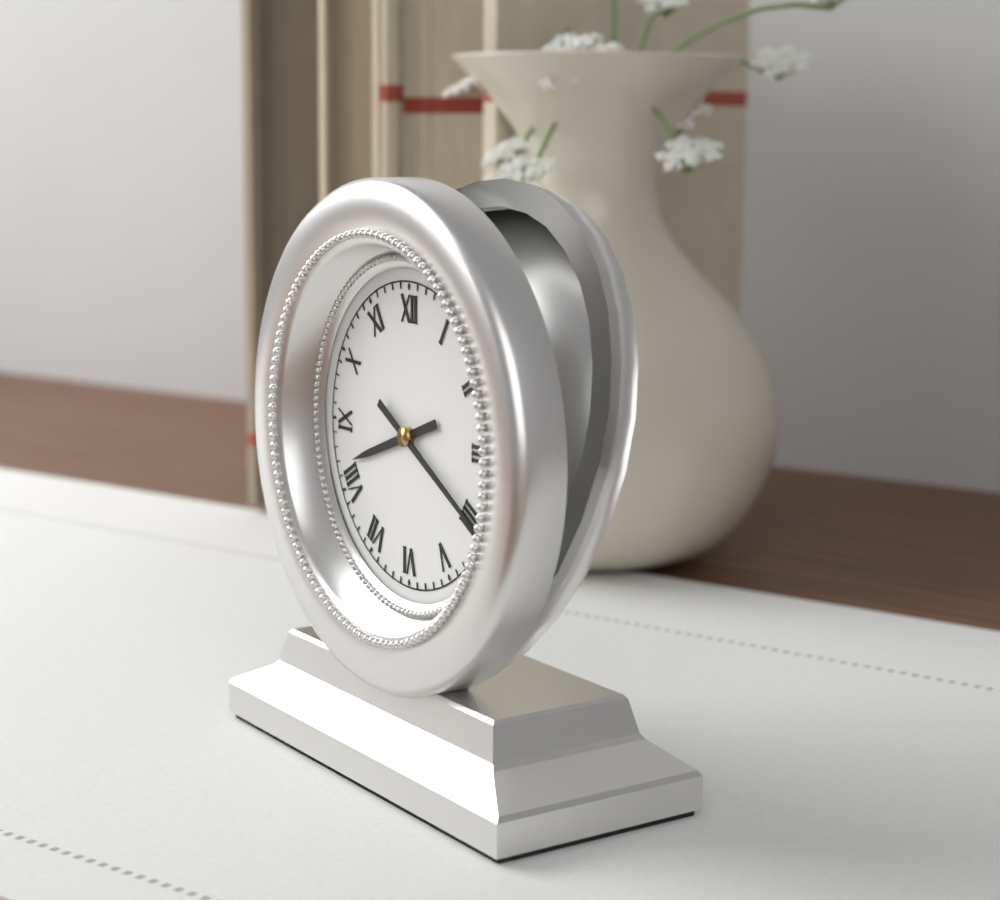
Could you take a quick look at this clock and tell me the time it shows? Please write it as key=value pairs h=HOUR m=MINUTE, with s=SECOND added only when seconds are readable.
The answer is h=8 m=20
